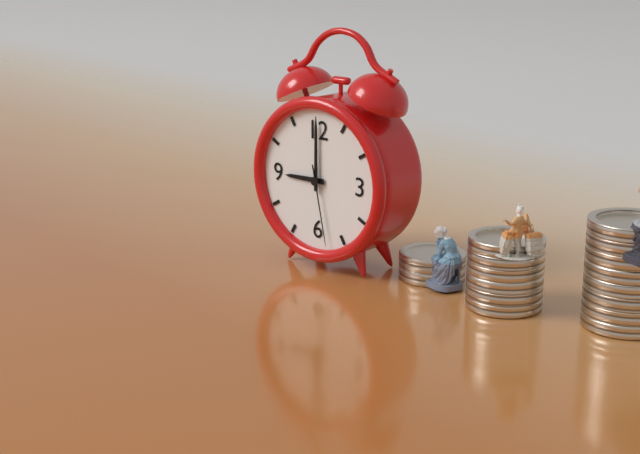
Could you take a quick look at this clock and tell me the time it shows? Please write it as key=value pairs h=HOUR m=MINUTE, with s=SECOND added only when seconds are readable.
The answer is h=9 m=0 s=28
